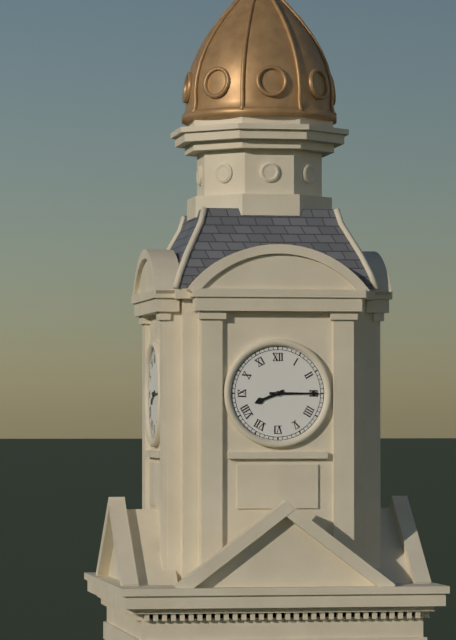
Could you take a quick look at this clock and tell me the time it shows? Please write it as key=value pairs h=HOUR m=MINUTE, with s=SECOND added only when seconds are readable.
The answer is h=8 m=15
